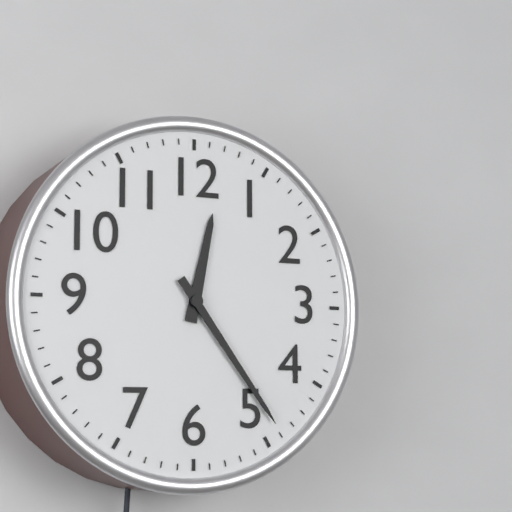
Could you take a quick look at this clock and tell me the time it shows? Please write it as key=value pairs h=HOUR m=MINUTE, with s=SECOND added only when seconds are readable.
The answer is h=12 m=24
